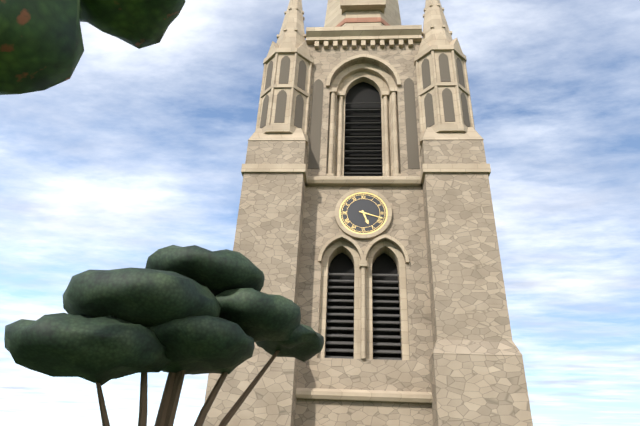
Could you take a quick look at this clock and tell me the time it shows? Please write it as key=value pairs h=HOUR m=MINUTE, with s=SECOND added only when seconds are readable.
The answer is h=5 m=18
